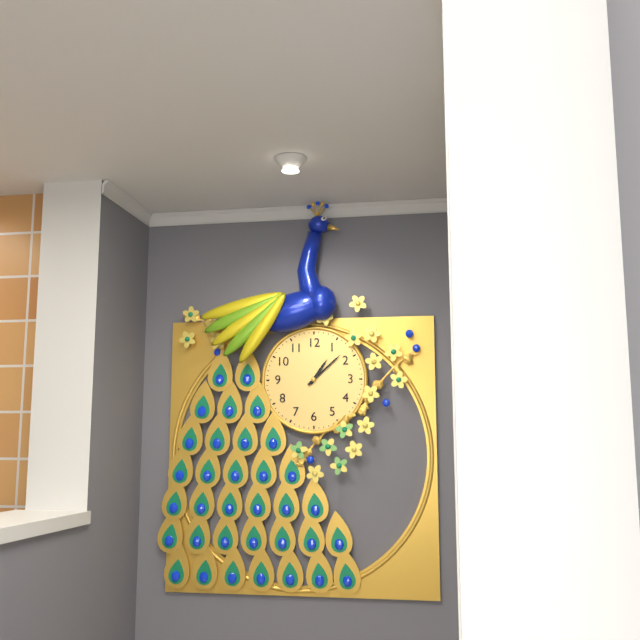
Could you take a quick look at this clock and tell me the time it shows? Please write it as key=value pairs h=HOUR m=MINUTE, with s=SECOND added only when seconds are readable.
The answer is h=1 m=8
